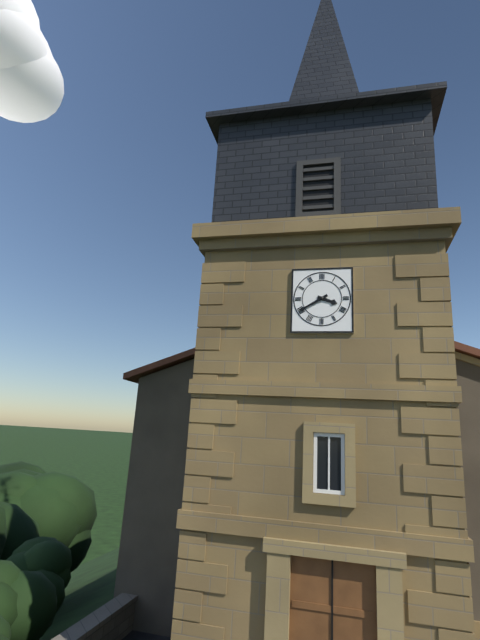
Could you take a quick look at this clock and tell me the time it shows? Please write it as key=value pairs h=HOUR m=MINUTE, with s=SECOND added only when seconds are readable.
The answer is h=3 m=40
